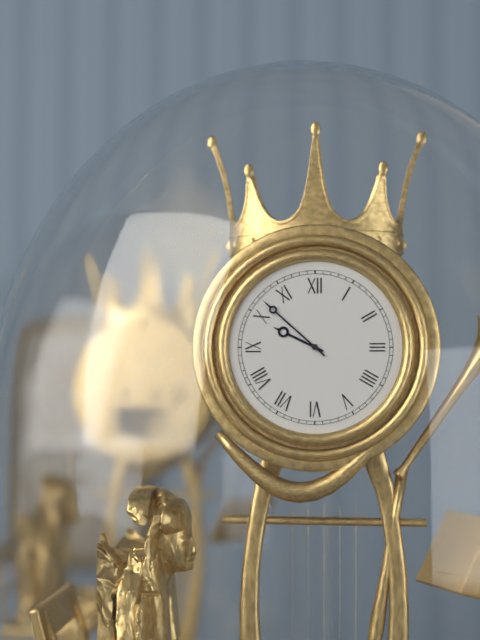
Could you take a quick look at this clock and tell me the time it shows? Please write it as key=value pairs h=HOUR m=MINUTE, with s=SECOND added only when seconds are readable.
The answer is h=9 m=52
